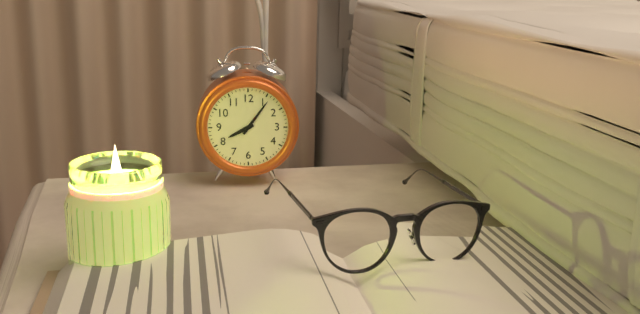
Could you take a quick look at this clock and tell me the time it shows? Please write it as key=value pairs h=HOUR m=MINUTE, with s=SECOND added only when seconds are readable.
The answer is h=8 m=6
